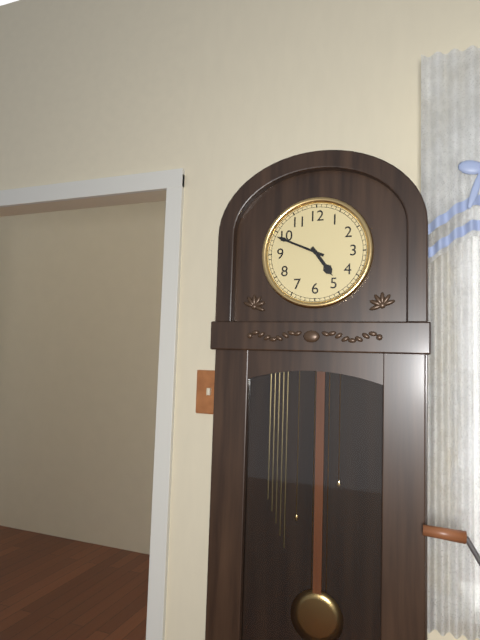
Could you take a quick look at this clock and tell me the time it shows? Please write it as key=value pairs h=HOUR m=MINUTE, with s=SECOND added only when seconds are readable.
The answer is h=4 m=49
